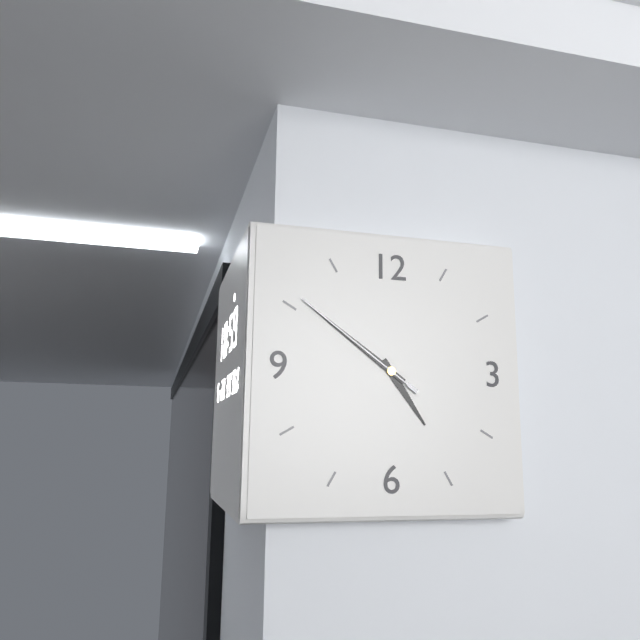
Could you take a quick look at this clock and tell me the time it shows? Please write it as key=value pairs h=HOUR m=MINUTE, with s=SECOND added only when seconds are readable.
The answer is h=4 m=51 s=51
